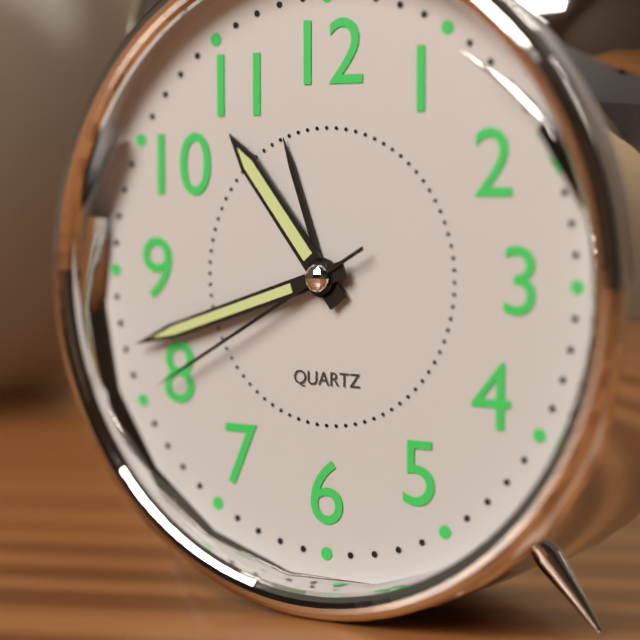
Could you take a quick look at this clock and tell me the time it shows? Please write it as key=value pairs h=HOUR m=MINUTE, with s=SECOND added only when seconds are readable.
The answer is h=10 m=42 s=40
